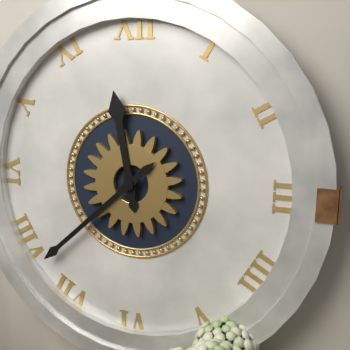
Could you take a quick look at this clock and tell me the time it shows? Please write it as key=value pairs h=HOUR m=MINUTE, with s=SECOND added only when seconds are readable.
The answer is h=11 m=38
